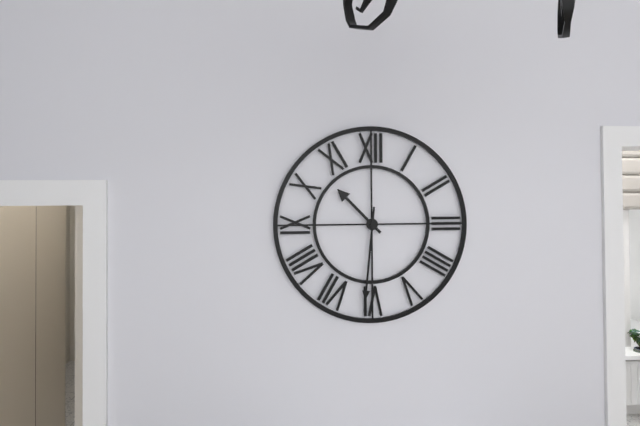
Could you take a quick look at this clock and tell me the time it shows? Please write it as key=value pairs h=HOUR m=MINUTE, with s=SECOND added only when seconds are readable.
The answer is h=10 m=31
